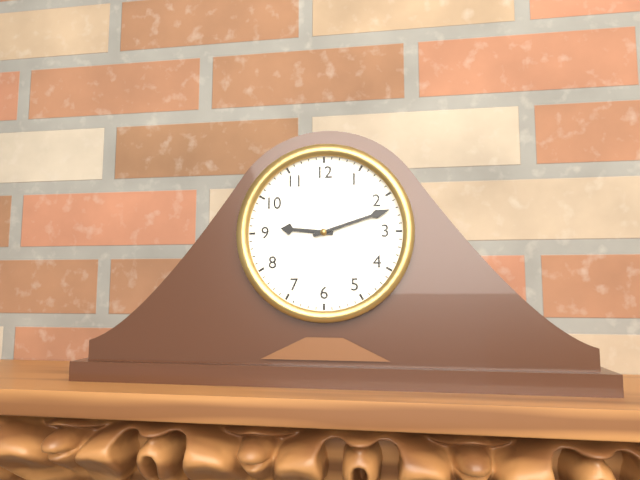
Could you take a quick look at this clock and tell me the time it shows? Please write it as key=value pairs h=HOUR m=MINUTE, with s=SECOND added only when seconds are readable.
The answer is h=9 m=12
